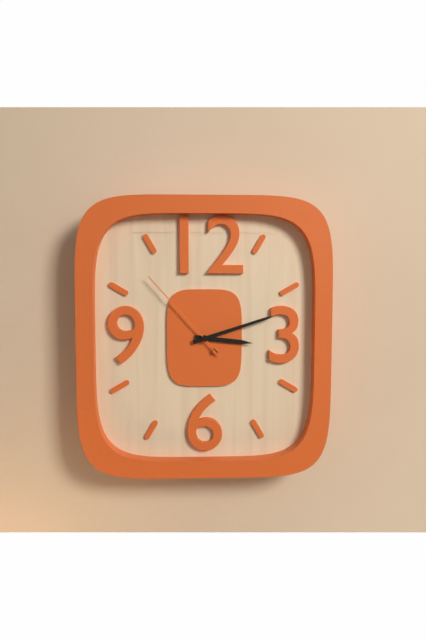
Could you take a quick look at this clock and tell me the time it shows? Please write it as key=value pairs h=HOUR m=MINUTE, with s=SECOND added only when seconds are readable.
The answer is h=3 m=12 s=53
